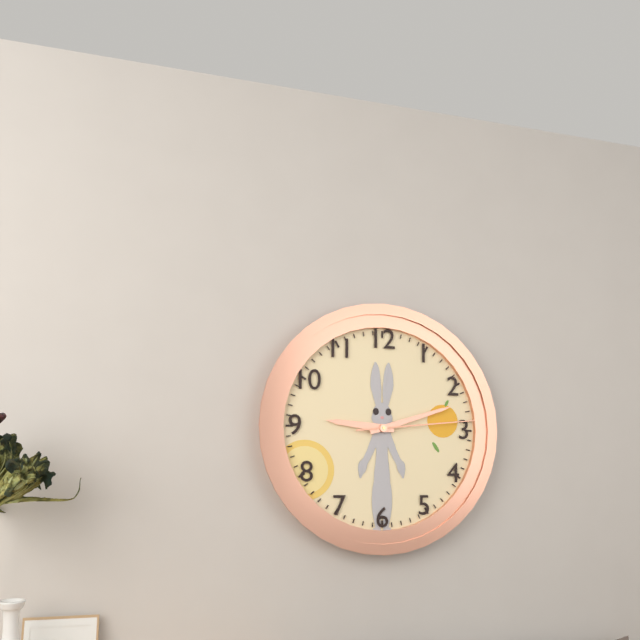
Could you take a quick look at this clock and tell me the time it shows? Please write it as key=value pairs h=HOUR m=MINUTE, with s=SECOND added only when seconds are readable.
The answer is h=9 m=12 s=14
